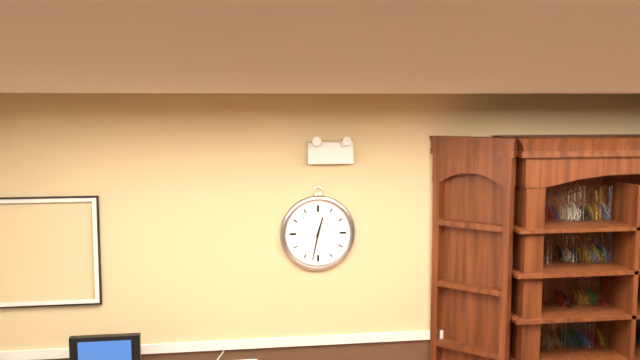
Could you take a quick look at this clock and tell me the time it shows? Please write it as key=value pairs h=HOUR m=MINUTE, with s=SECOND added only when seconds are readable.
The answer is h=12 m=32
